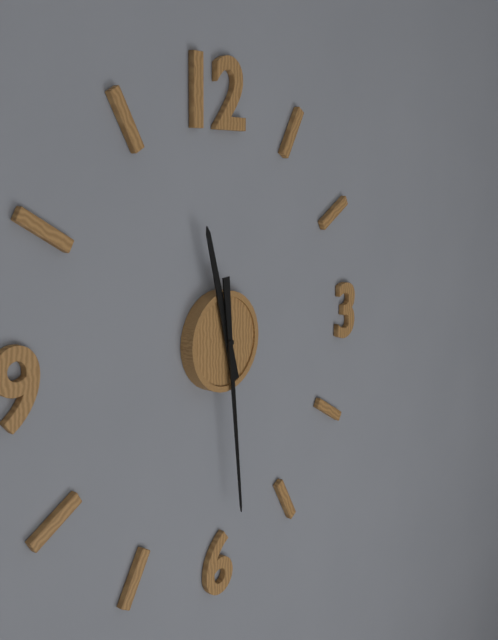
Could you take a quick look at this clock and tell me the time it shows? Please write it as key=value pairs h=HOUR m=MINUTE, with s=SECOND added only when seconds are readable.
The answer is h=11 m=29
